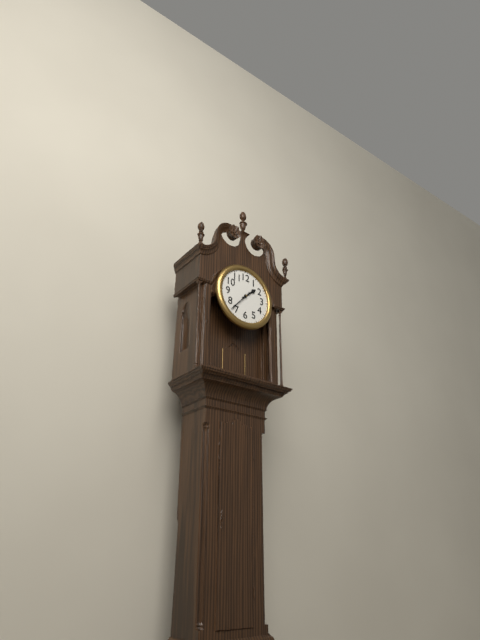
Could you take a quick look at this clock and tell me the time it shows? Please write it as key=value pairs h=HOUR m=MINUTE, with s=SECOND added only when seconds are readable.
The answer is h=1 m=37
